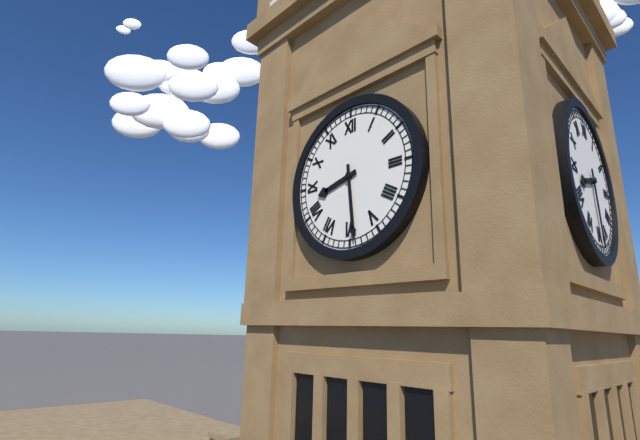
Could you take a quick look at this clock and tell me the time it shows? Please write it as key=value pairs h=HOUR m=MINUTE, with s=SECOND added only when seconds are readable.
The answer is h=8 m=29
